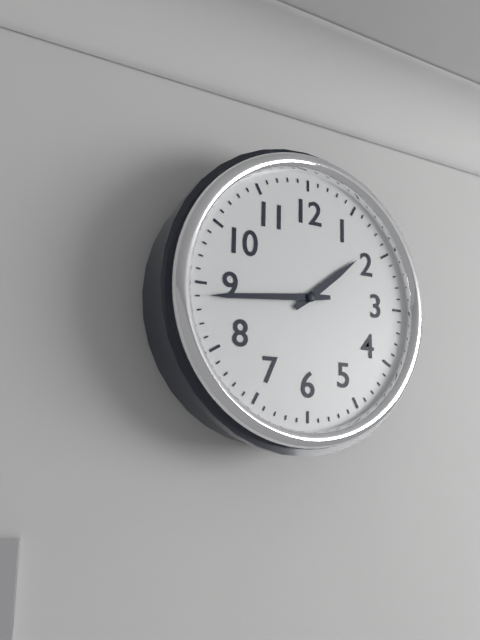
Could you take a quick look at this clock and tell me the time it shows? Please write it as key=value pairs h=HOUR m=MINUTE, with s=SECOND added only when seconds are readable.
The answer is h=1 m=44
